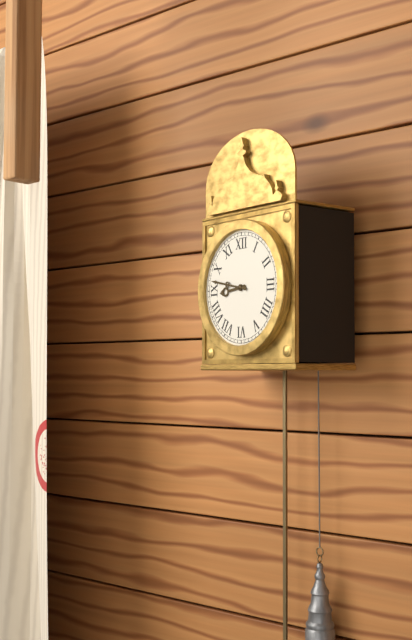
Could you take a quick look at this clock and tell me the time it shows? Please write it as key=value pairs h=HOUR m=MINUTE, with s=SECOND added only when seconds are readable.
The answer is h=8 m=47
